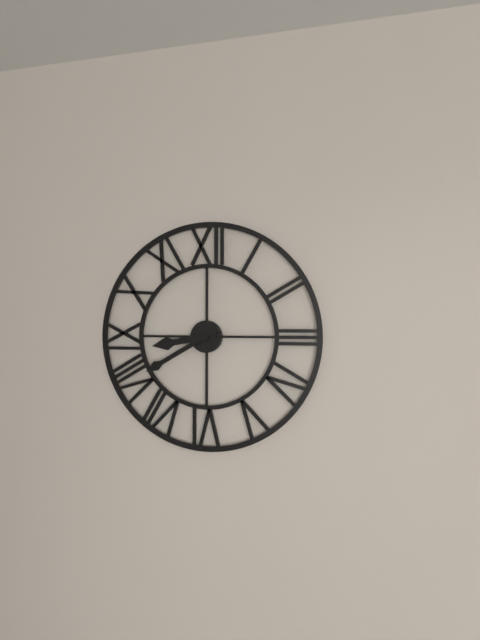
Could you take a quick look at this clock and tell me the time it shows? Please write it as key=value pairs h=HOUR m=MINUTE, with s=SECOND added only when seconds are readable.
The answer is h=8 m=40
